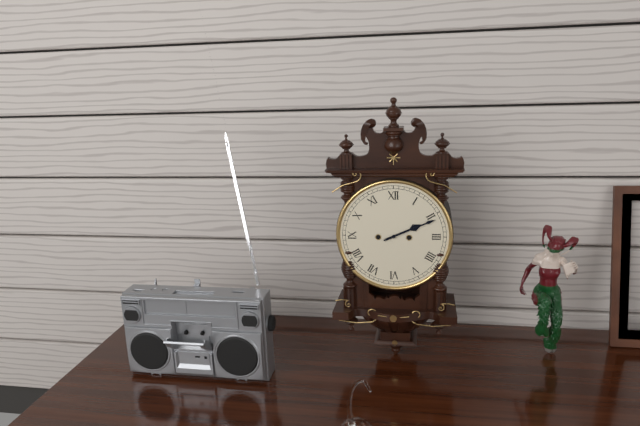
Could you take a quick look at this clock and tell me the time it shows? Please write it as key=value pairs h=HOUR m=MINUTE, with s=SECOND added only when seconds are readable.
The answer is h=2 m=11
